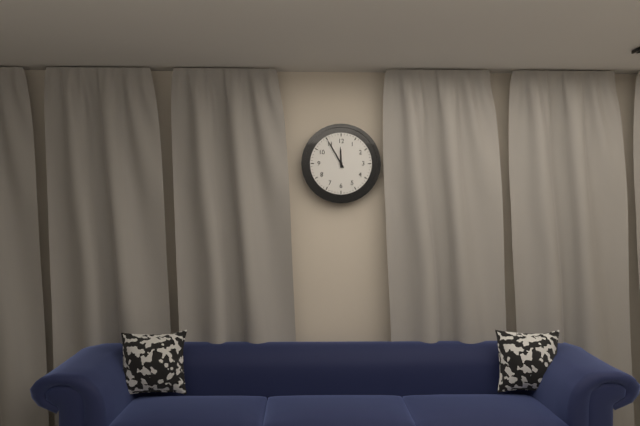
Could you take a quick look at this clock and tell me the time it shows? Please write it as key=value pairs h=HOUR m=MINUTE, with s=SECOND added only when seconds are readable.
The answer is h=11 m=55
